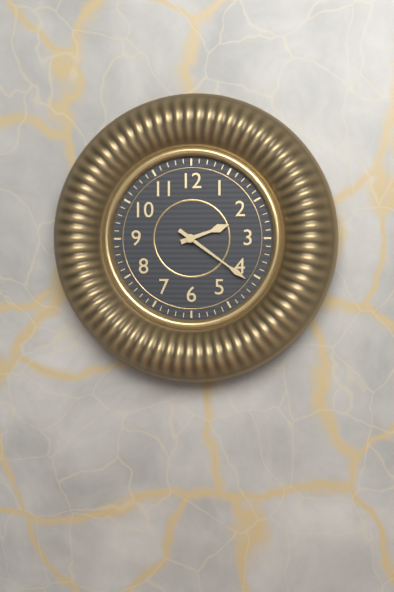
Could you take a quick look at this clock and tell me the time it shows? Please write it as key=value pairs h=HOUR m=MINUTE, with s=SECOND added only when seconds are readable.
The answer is h=2 m=21
